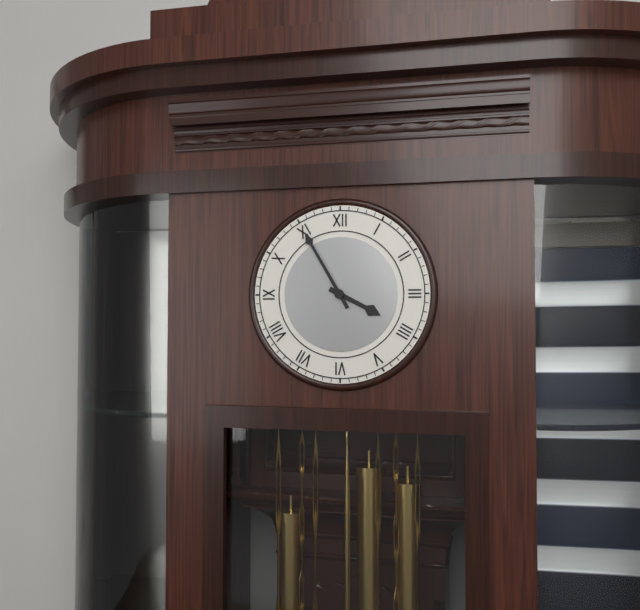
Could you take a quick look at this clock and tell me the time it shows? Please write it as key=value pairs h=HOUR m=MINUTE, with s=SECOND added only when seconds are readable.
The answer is h=3 m=55
